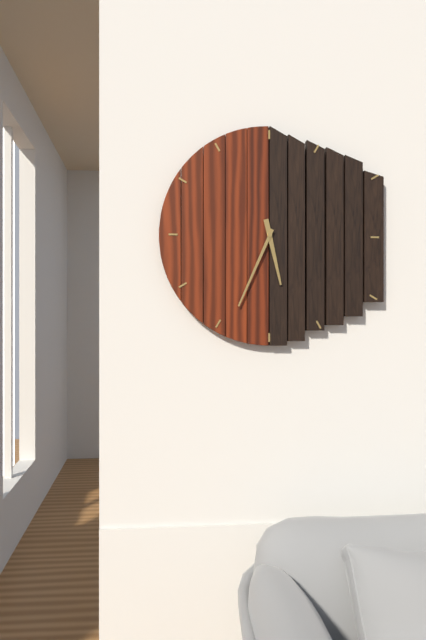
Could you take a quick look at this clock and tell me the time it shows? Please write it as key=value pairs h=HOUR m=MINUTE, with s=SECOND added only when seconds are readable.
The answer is h=5 m=34
